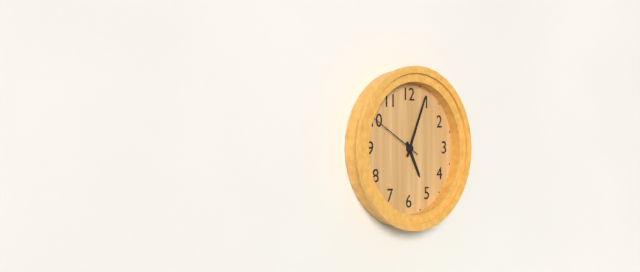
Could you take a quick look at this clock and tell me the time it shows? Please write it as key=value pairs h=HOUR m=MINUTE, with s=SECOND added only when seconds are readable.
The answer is h=5 m=4 s=50
